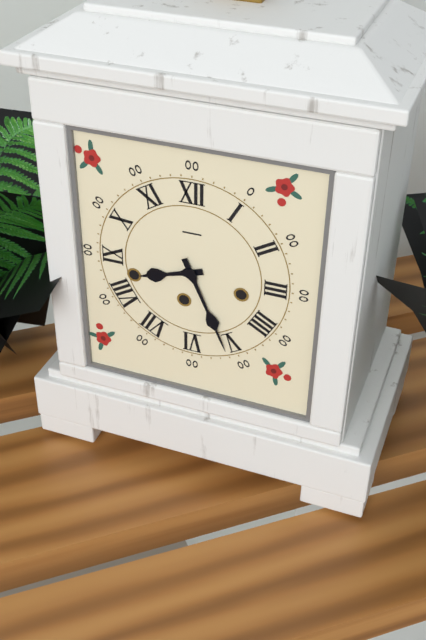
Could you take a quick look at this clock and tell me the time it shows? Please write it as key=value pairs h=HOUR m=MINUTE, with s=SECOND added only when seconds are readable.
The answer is h=8 m=26
